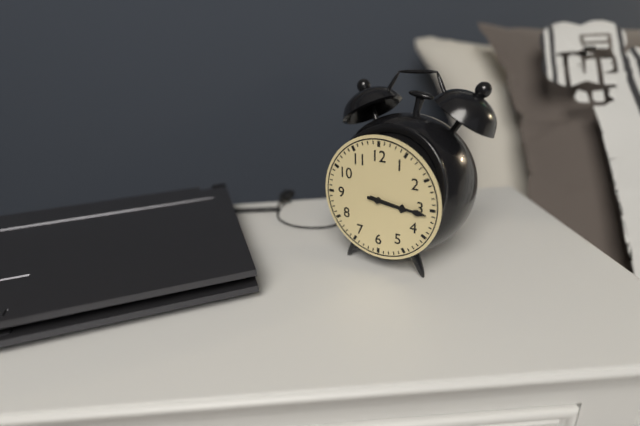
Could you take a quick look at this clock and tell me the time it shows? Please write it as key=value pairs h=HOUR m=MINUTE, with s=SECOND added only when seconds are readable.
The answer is h=3 m=16
